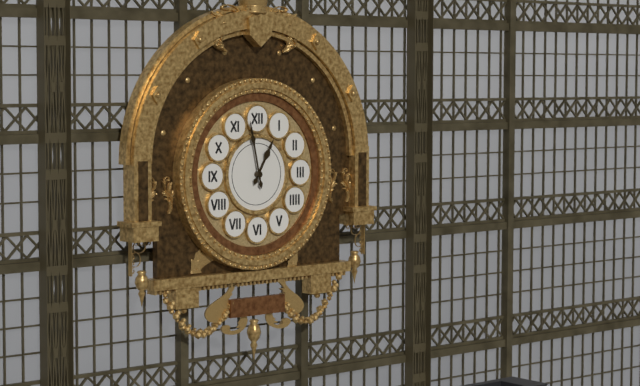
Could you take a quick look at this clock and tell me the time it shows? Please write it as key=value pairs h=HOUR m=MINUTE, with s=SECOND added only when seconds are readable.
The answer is h=12 m=58
